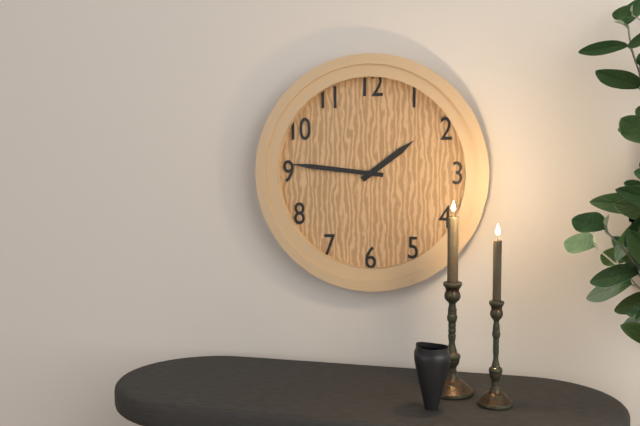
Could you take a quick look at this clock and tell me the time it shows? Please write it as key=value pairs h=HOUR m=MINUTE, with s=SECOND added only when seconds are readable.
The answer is h=1 m=46
